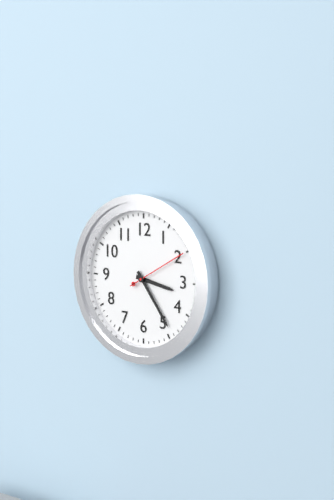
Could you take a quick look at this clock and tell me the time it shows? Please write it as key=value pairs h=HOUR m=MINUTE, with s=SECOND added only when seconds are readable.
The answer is h=3 m=24 s=10
